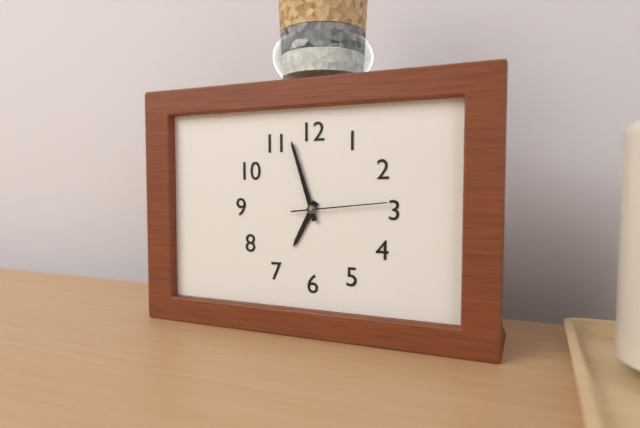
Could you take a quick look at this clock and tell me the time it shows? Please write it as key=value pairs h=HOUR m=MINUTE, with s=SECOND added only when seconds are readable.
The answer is h=6 m=57 s=14
